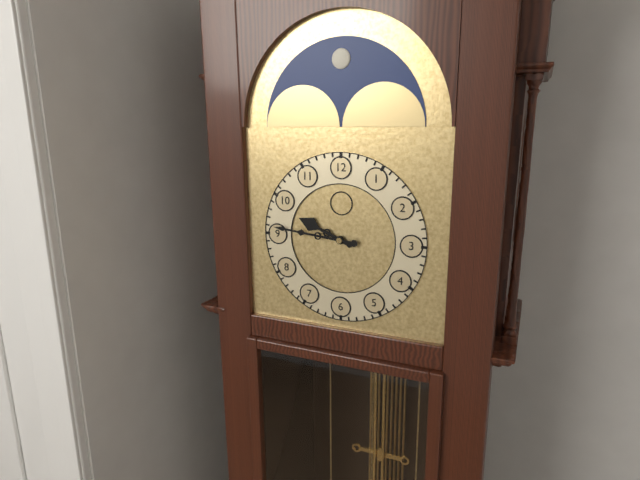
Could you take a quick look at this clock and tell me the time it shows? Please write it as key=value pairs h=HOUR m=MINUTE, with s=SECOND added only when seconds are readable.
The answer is h=9 m=46
